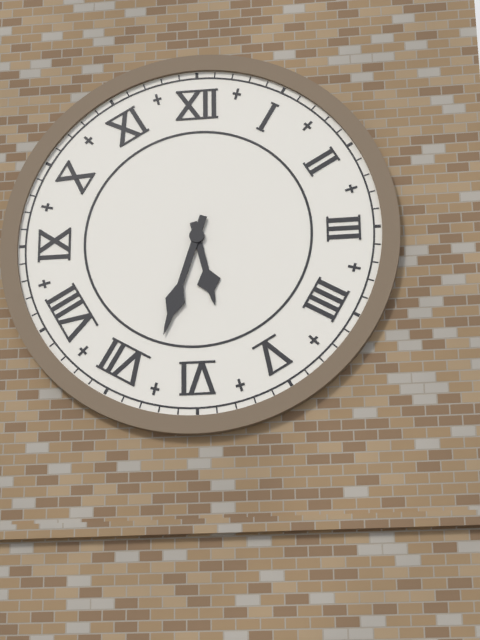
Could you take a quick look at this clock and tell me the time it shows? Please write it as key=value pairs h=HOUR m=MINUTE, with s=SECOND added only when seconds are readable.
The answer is h=5 m=33
